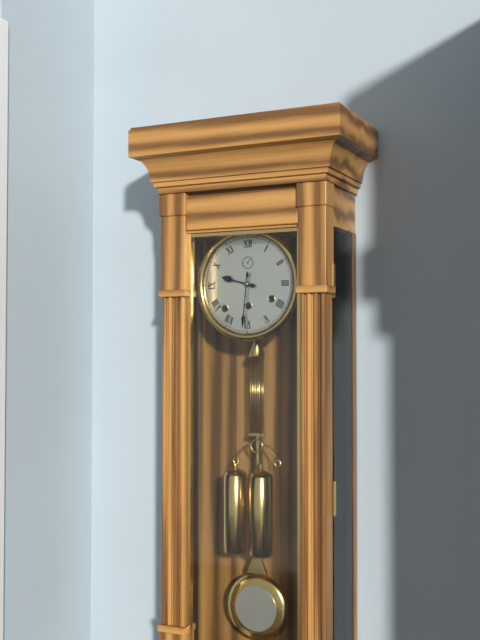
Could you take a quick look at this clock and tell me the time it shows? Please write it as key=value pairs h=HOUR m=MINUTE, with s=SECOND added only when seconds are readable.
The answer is h=9 m=31
